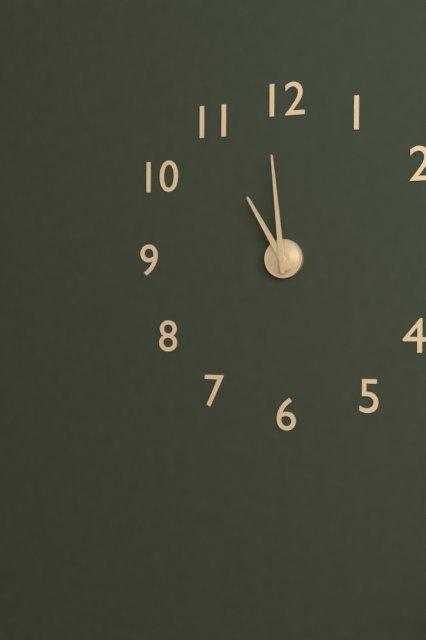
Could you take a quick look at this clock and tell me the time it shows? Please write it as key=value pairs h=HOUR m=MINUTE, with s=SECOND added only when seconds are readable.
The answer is h=10 m=59
